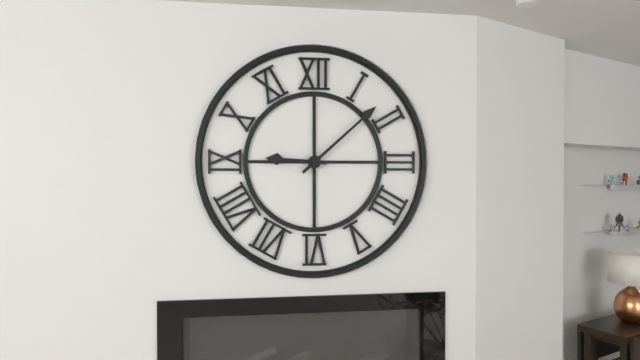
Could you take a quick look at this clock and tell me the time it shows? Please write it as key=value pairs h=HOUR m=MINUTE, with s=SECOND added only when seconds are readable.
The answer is h=9 m=8
